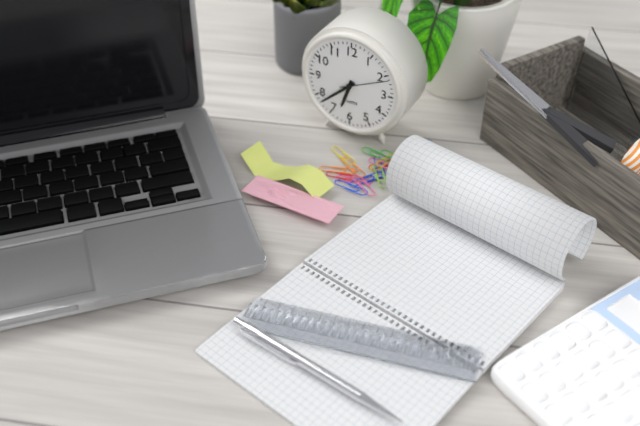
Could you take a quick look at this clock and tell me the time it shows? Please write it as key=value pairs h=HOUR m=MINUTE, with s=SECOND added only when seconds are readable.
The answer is h=6 m=38
